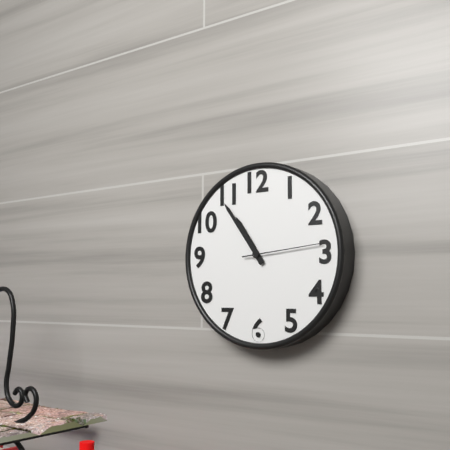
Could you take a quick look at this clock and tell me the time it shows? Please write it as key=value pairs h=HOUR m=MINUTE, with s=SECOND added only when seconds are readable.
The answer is h=10 m=54 s=14
